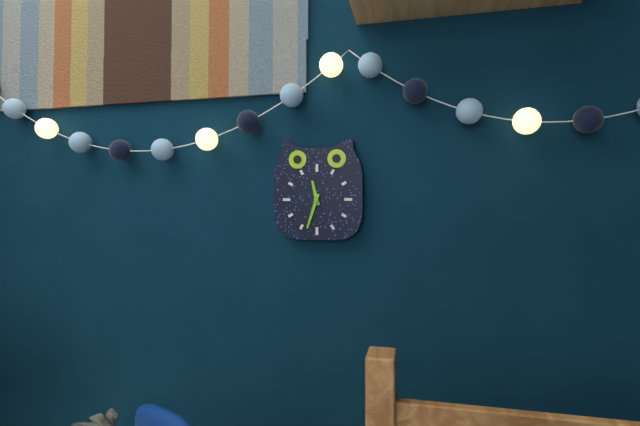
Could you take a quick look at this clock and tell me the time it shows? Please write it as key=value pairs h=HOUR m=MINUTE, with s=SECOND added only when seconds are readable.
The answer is h=11 m=33
